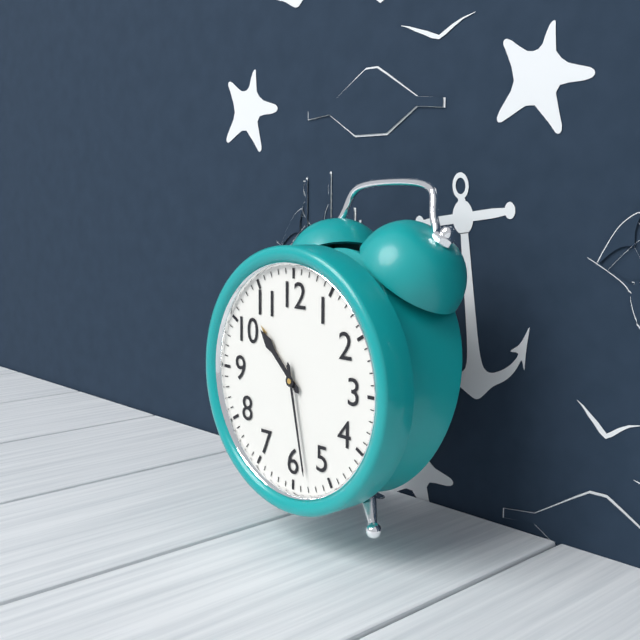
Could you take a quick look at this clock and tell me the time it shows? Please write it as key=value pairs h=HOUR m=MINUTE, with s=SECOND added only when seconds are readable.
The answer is h=10 m=28
